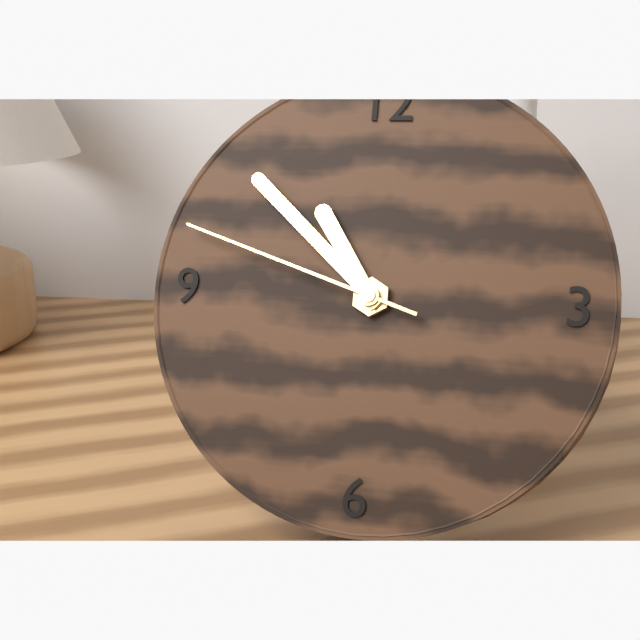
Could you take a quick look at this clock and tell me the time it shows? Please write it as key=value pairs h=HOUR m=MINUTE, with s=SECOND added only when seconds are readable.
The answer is h=10 m=52 s=48
